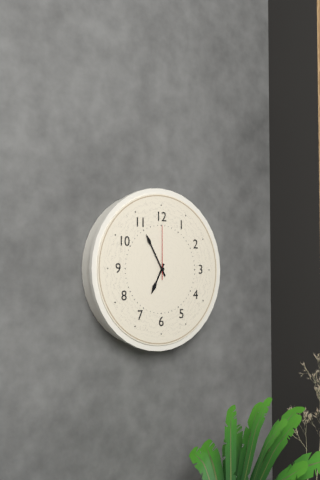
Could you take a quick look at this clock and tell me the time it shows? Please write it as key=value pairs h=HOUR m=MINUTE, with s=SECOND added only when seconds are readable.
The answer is h=6 m=55 s=0
